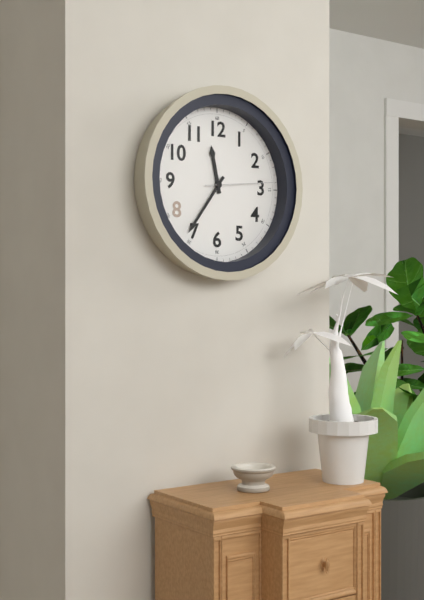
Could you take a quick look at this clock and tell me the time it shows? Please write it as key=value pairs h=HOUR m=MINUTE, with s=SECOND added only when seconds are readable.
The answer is h=11 m=36 s=14
